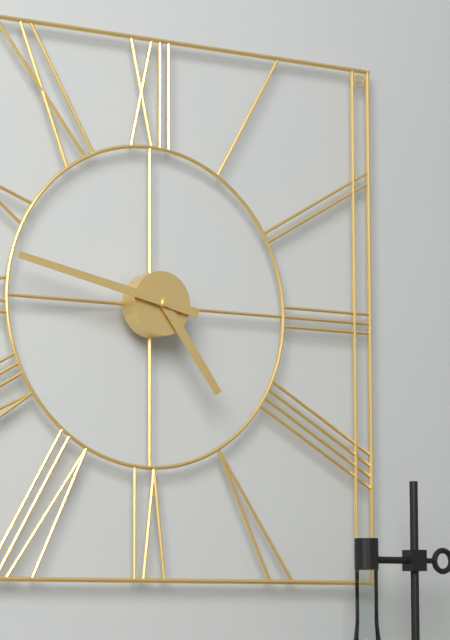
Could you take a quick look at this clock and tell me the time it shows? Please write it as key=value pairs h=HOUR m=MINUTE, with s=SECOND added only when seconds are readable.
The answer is h=4 m=47
